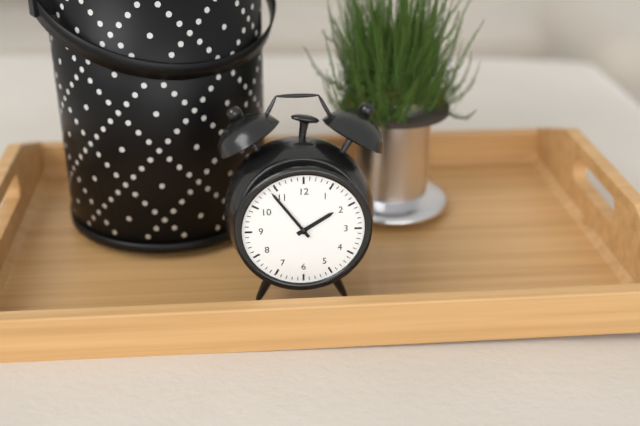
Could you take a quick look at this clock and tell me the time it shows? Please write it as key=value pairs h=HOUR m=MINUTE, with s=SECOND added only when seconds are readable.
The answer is h=1 m=54
